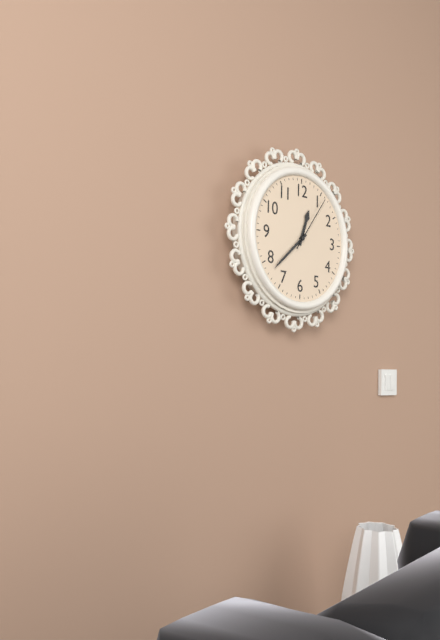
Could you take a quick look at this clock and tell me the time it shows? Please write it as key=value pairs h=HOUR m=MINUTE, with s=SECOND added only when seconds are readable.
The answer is h=12 m=38 s=6
